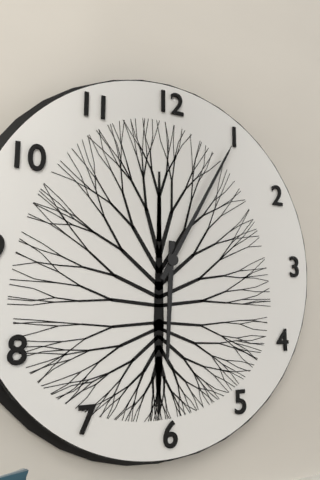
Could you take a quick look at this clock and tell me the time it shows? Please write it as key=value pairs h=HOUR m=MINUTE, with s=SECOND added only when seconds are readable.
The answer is h=6 m=5
